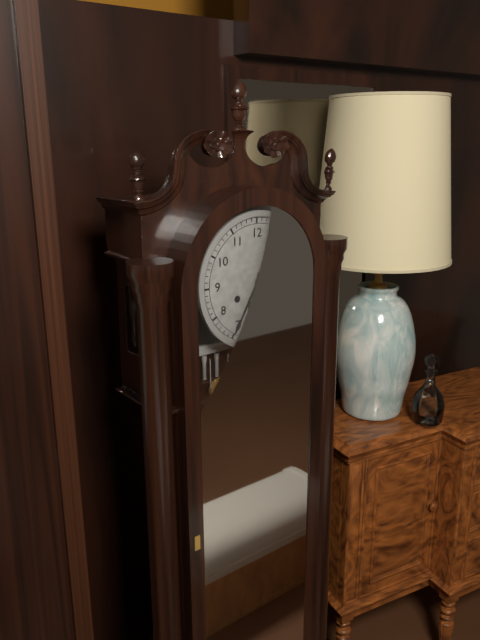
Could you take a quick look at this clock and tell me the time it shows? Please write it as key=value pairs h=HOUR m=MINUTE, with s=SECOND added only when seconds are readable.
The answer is h=6 m=35
